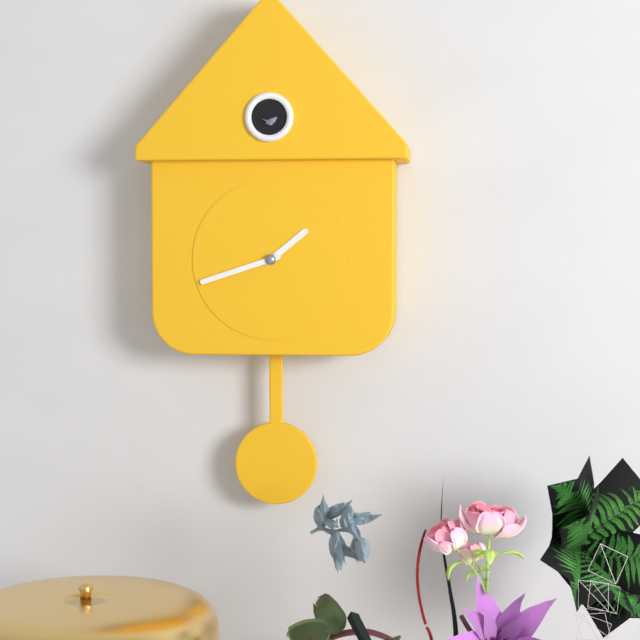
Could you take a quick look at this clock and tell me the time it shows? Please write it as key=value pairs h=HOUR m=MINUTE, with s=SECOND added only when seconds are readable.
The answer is h=1 m=42
